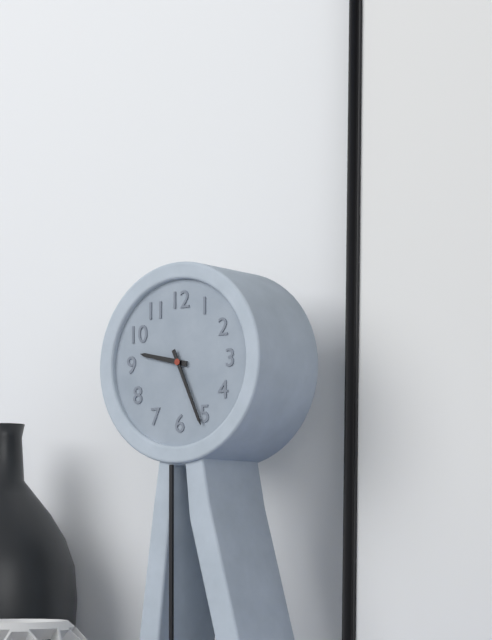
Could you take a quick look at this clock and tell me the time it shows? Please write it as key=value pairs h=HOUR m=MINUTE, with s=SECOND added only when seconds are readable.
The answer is h=9 m=26
